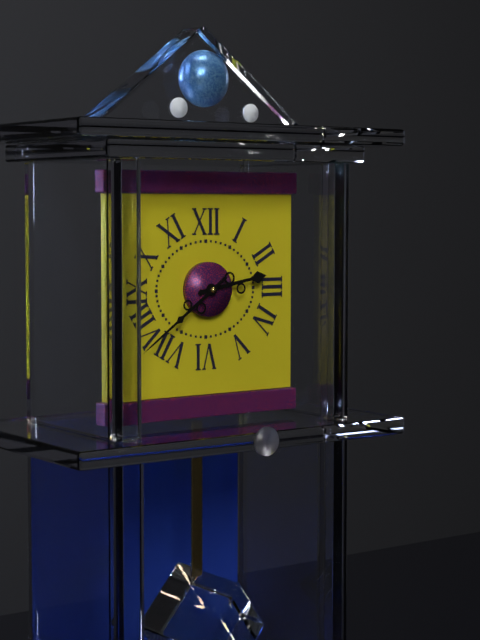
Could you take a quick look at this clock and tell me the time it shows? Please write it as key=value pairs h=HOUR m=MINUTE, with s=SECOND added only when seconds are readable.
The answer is h=2 m=39
